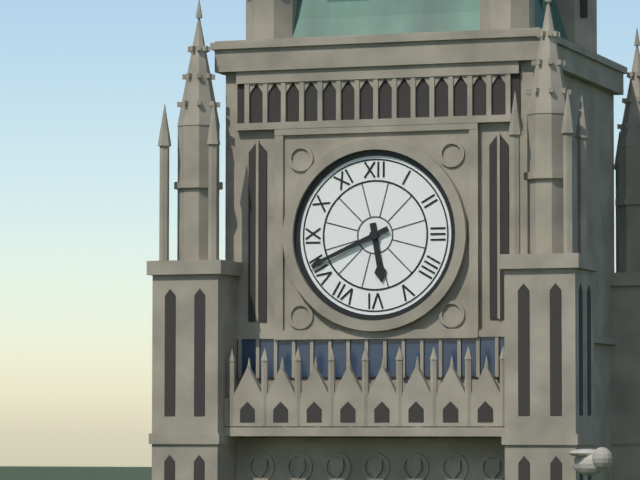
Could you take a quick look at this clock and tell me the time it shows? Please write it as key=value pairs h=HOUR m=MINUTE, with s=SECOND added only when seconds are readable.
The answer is h=5 m=41
